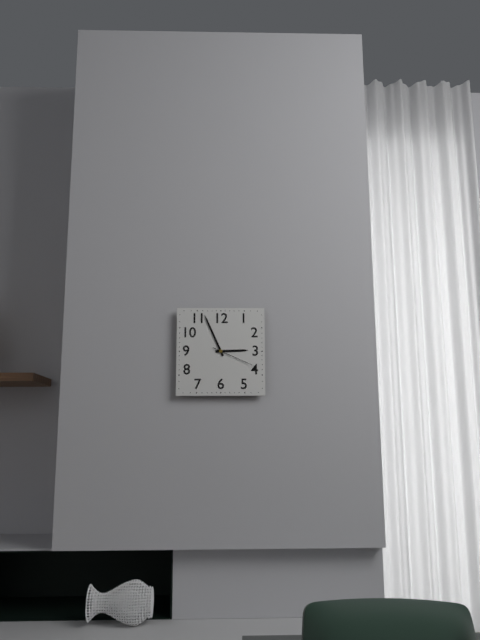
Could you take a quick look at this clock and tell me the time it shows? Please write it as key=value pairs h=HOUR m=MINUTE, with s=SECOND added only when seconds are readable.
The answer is h=2 m=56
